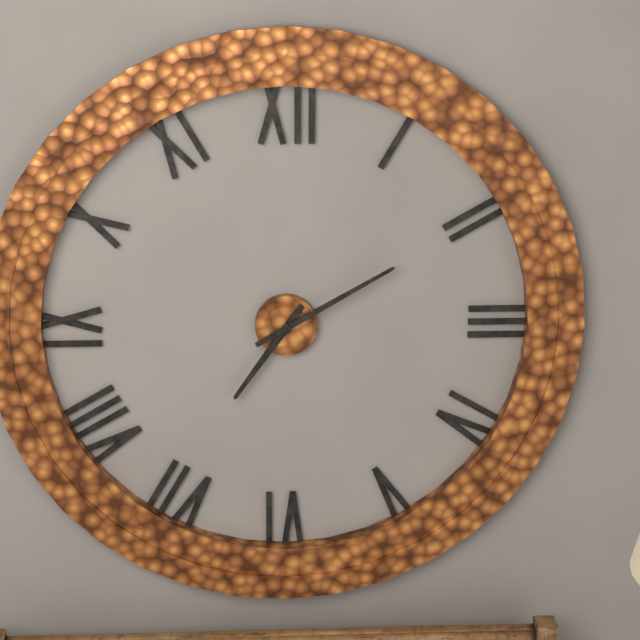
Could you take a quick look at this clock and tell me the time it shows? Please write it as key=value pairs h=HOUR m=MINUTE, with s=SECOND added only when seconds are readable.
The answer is h=7 m=10
